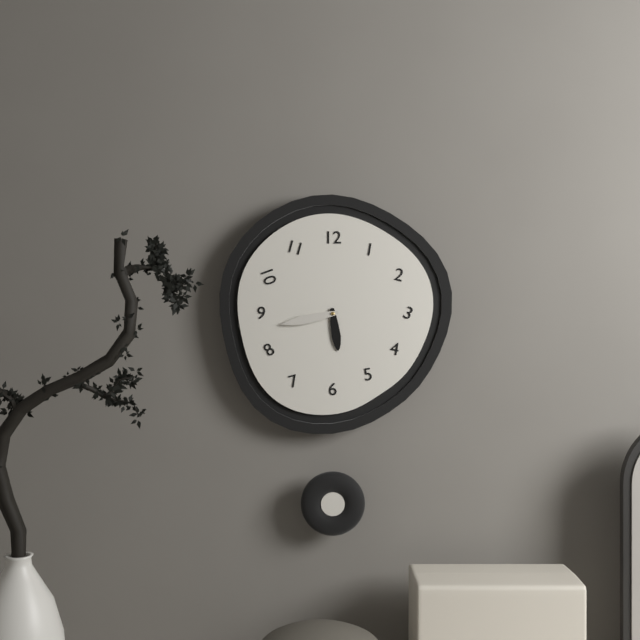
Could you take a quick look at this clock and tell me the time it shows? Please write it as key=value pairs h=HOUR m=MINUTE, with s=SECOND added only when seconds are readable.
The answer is h=5 m=43
